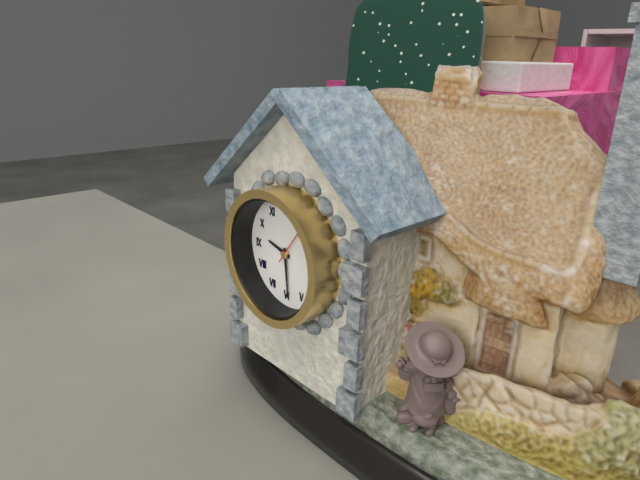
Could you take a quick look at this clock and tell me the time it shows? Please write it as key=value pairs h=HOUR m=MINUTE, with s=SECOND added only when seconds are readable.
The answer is h=9 m=29
